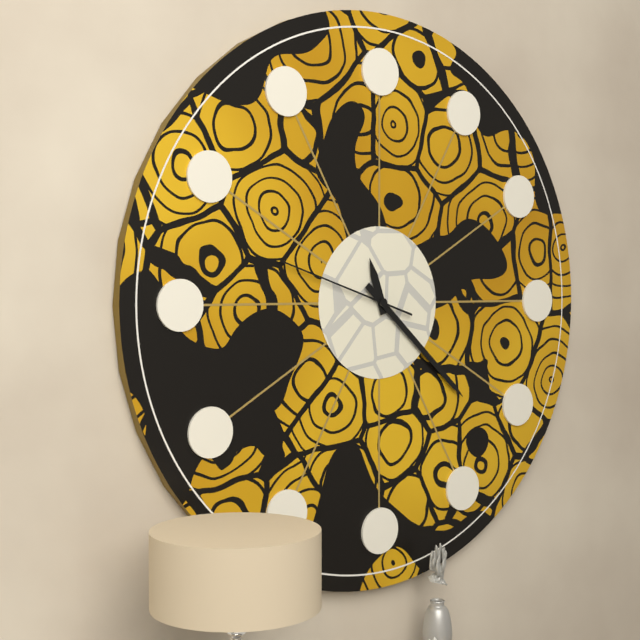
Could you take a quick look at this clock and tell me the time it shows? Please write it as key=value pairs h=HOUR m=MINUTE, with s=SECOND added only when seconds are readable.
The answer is h=11 m=22 s=48
